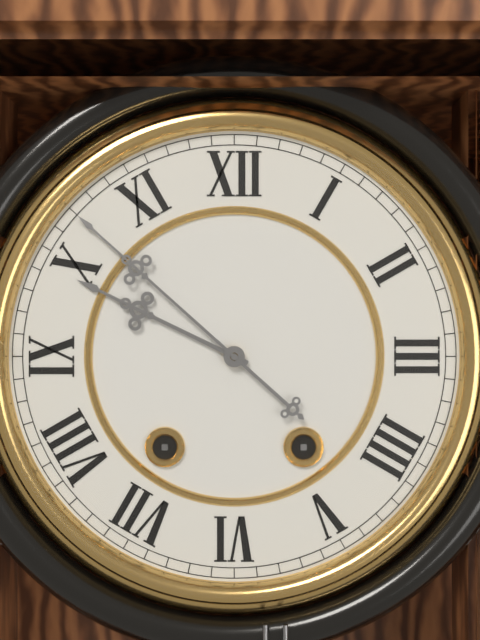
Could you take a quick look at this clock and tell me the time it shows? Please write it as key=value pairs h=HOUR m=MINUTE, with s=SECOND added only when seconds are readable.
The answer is h=9 m=52
